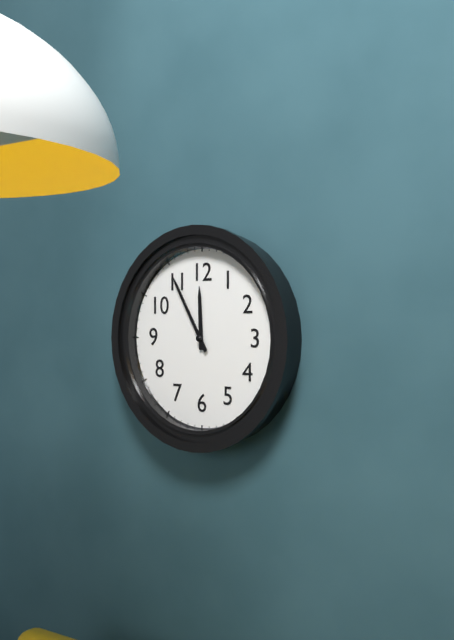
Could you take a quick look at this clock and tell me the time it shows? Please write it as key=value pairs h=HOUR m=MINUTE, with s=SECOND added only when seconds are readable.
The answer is h=11 m=55
